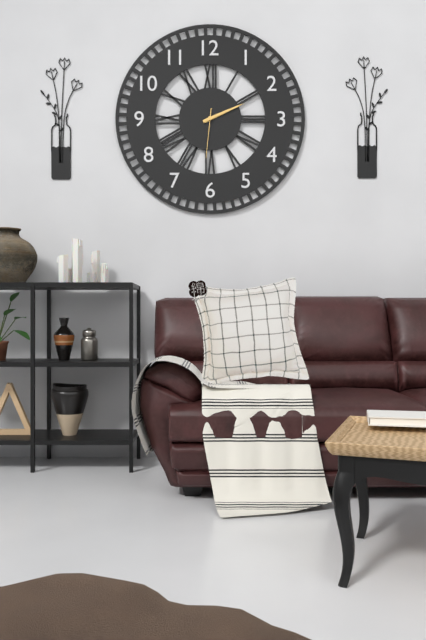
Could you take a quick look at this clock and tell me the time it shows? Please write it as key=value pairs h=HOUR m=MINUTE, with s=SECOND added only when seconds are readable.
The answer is h=2 m=11 s=31
